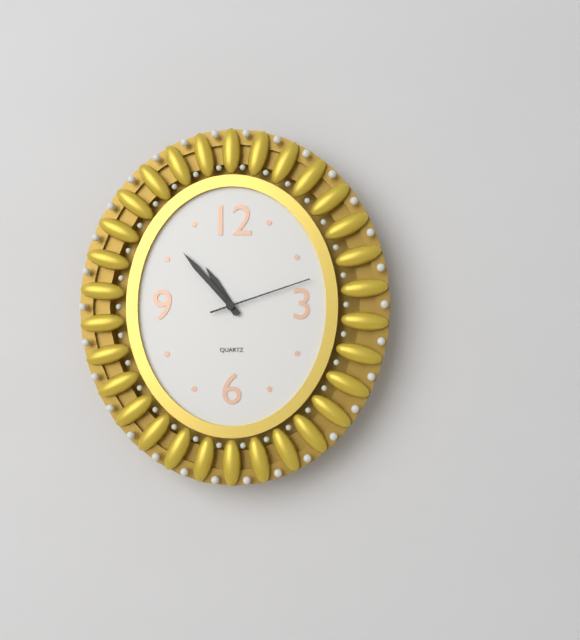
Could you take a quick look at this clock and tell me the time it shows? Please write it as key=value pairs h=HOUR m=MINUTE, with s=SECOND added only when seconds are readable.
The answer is h=10 m=53 s=12
